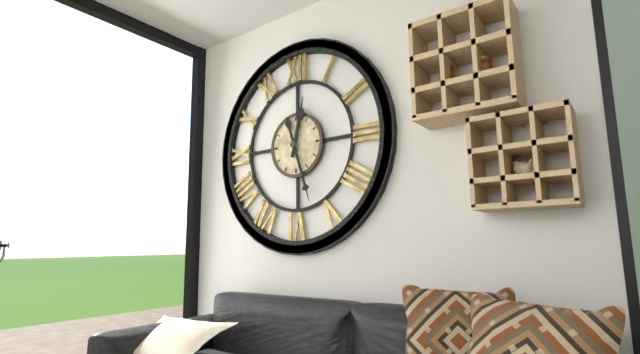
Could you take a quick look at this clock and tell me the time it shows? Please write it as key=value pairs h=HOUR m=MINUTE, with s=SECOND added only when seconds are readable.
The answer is h=12 m=27
